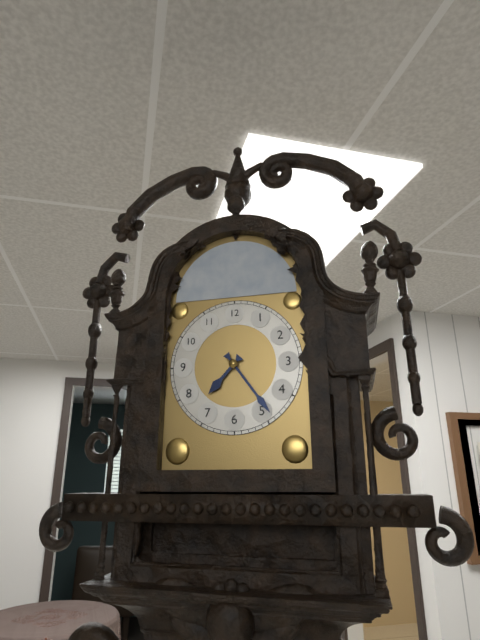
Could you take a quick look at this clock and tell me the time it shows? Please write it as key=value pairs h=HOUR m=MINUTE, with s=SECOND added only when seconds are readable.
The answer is h=7 m=24
